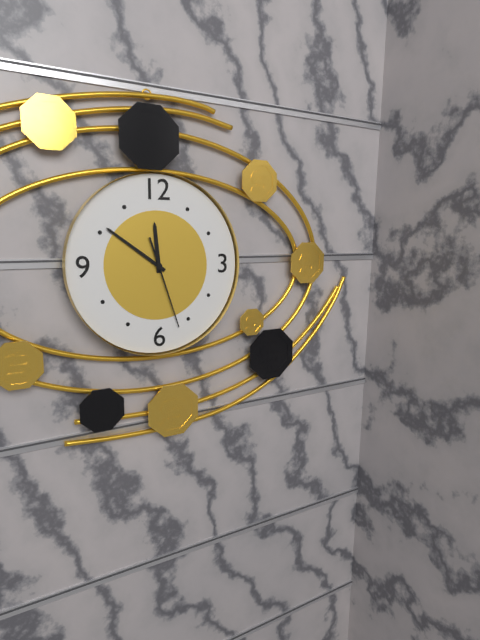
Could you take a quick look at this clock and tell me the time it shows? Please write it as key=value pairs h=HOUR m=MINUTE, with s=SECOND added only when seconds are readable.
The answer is h=11 m=51 s=27
